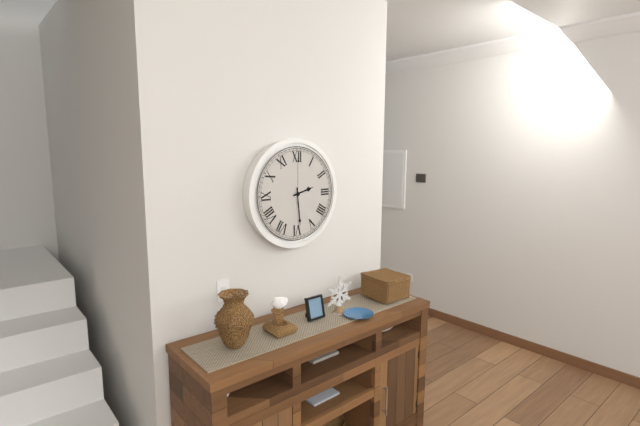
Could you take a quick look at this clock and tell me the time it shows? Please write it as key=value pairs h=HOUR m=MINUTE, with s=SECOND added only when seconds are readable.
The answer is h=2 m=29
